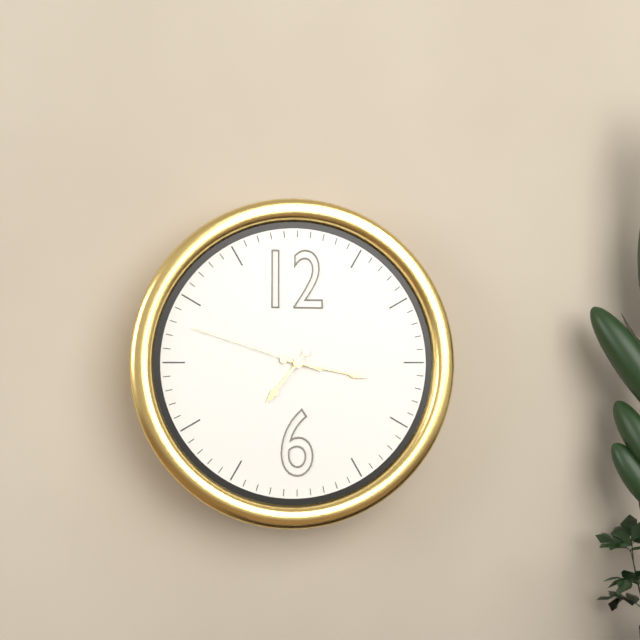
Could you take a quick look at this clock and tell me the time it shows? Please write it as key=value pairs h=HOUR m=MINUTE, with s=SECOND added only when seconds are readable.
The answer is h=7 m=17 s=48
